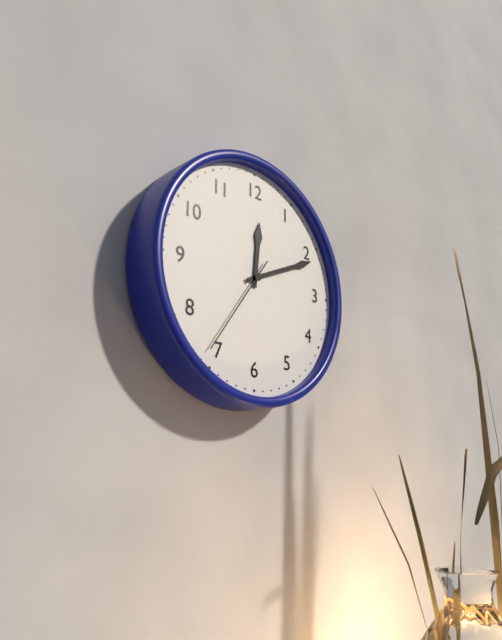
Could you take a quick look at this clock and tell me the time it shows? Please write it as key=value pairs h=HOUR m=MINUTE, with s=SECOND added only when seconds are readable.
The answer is h=12 m=11 s=36
